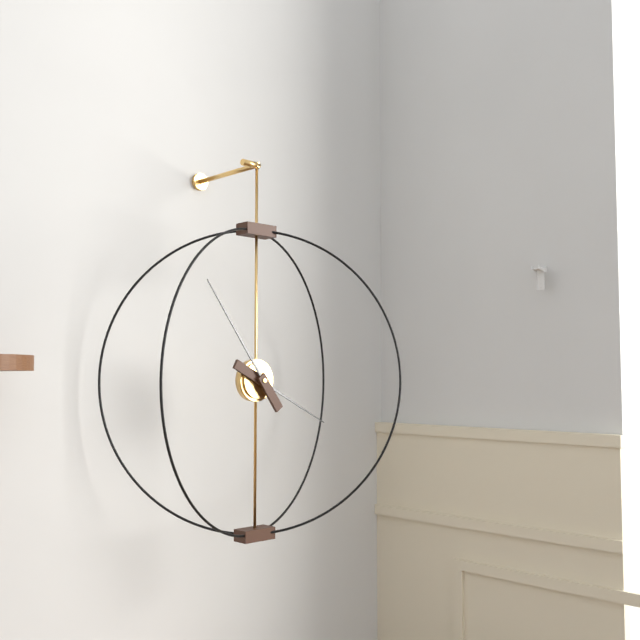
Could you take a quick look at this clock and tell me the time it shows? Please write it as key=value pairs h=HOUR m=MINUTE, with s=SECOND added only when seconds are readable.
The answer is h=3 m=54
